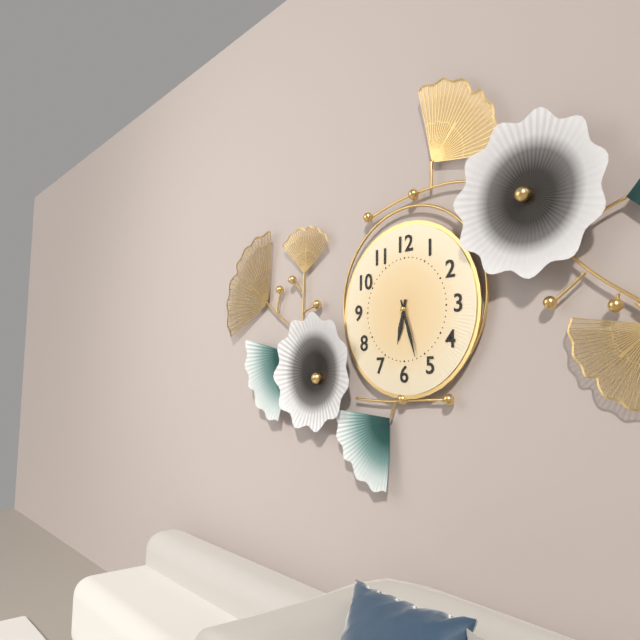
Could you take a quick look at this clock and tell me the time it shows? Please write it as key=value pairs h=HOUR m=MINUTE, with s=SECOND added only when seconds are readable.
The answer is h=6 m=27
